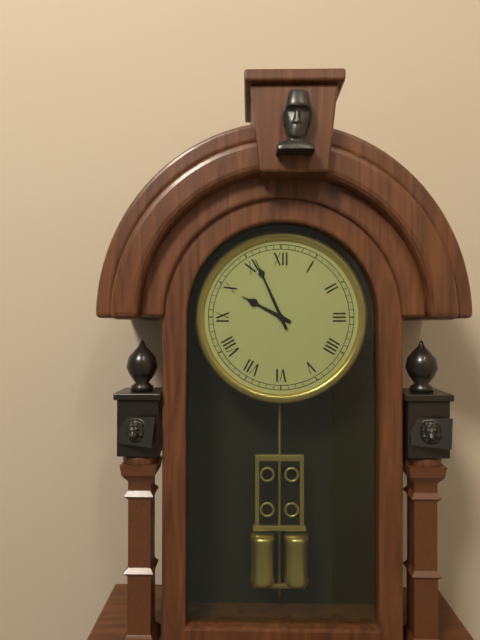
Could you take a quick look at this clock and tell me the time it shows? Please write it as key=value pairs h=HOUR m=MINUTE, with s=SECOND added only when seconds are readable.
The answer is h=9 m=56
